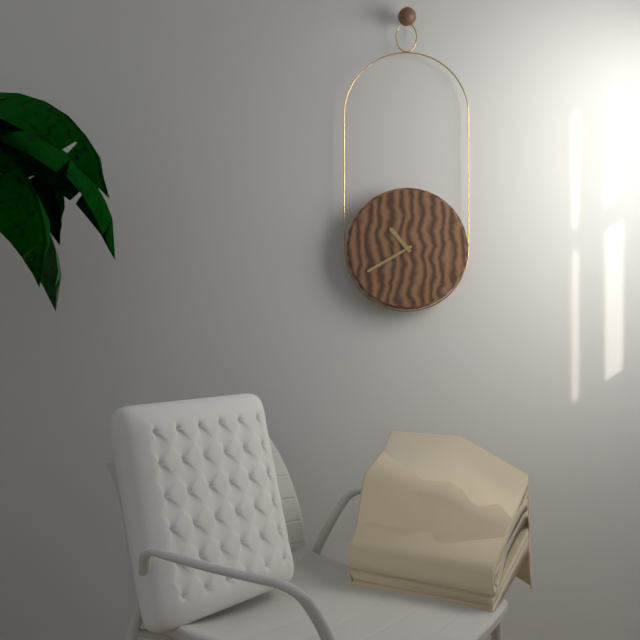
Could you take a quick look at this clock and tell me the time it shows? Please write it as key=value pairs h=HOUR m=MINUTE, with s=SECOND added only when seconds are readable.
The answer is h=10 m=40
